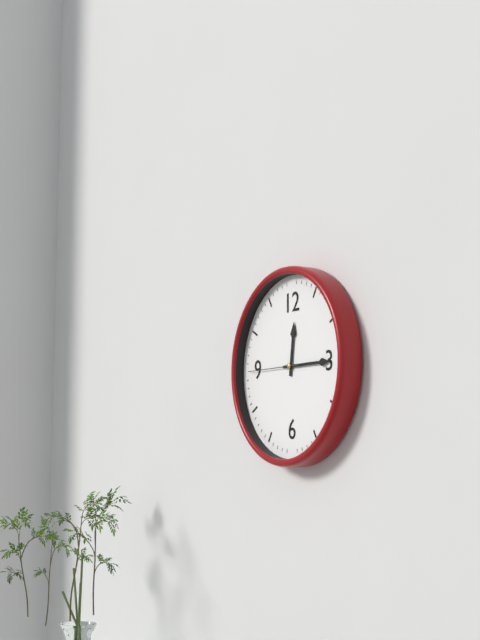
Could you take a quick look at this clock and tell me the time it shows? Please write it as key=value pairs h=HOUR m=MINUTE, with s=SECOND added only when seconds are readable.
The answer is h=12 m=15 s=45
